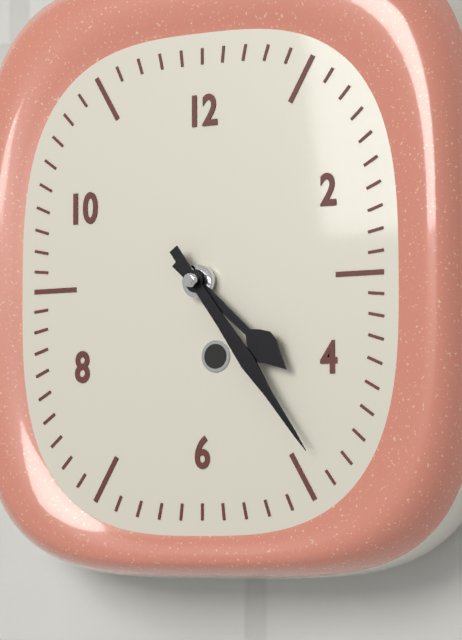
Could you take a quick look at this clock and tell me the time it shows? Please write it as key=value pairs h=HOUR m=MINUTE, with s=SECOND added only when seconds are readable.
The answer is h=4 m=24
